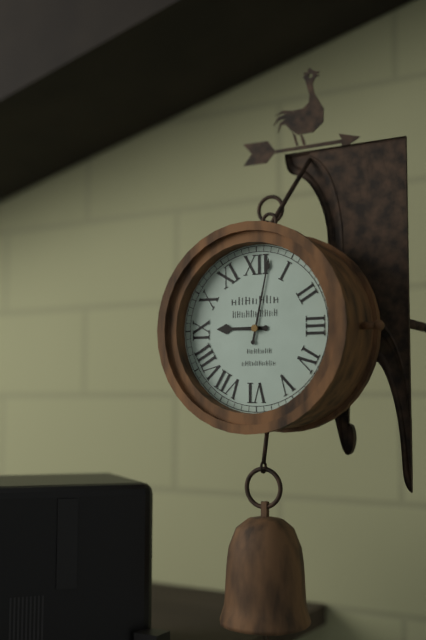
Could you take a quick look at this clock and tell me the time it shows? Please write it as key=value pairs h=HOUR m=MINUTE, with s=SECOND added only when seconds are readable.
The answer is h=9 m=2
